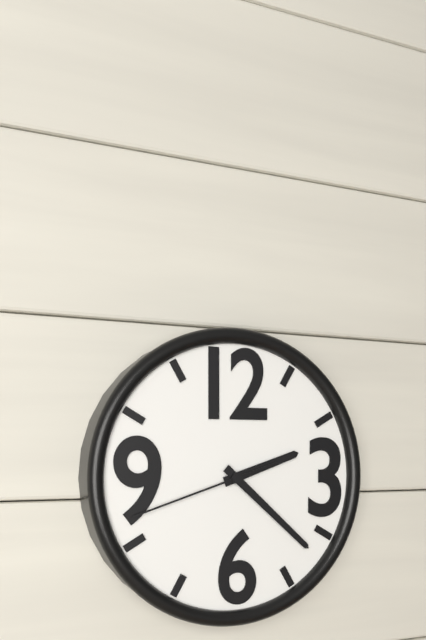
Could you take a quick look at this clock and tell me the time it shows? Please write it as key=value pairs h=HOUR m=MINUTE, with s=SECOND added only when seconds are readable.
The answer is h=2 m=22 s=42
